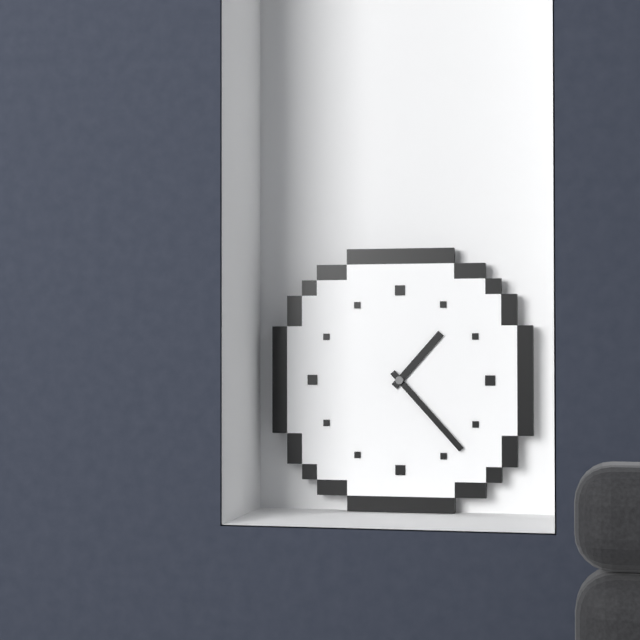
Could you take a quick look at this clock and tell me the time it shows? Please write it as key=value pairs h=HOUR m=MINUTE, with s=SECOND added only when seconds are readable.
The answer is h=1 m=23
